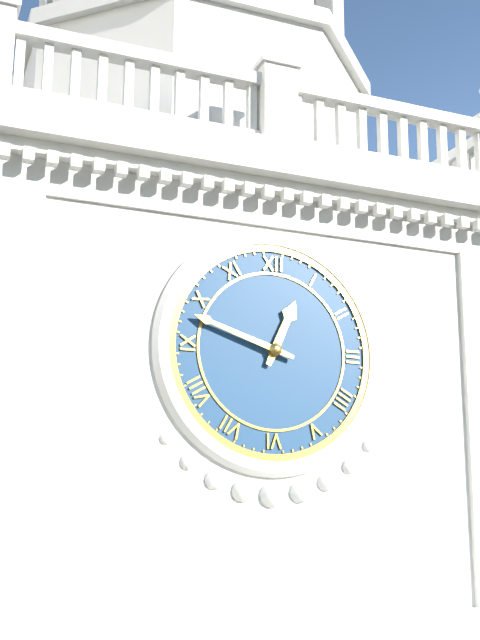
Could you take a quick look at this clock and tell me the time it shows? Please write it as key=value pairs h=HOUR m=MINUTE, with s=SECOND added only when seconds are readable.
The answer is h=12 m=48
